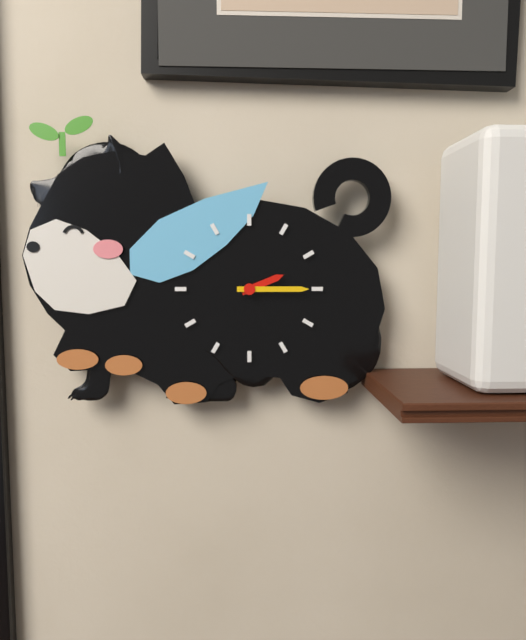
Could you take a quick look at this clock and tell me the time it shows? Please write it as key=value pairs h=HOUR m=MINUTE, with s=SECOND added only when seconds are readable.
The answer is h=2 m=15
